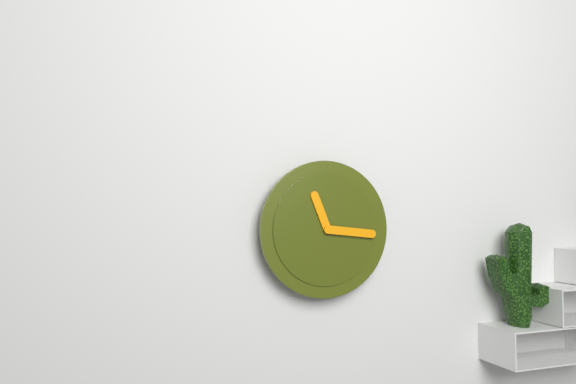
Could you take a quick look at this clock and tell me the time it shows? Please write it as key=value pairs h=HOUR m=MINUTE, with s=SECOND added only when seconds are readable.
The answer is h=11 m=16
